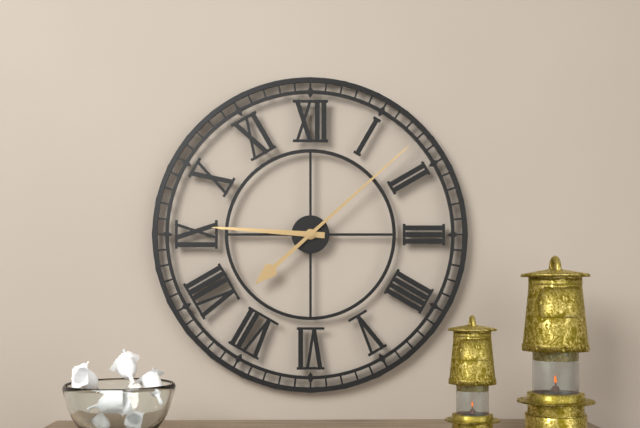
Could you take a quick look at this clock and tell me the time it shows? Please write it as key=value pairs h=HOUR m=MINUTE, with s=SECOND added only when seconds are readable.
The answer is h=9 m=8
